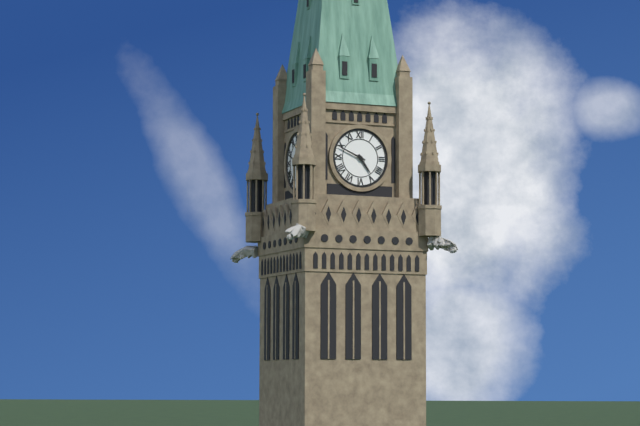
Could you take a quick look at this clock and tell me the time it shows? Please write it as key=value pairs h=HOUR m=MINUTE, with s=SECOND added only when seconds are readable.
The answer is h=4 m=49
